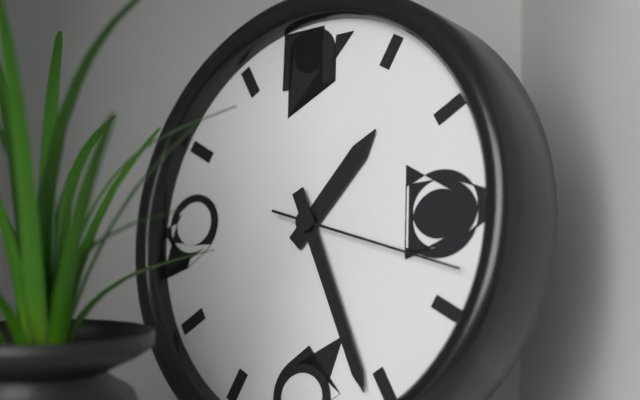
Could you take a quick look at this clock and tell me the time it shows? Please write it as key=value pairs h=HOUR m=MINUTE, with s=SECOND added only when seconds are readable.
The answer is h=1 m=26 s=18
